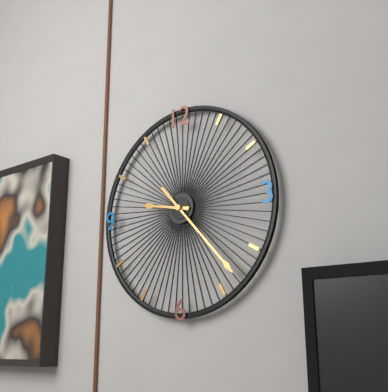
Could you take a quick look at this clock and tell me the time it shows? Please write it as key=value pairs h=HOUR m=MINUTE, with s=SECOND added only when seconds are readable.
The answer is h=9 m=23
